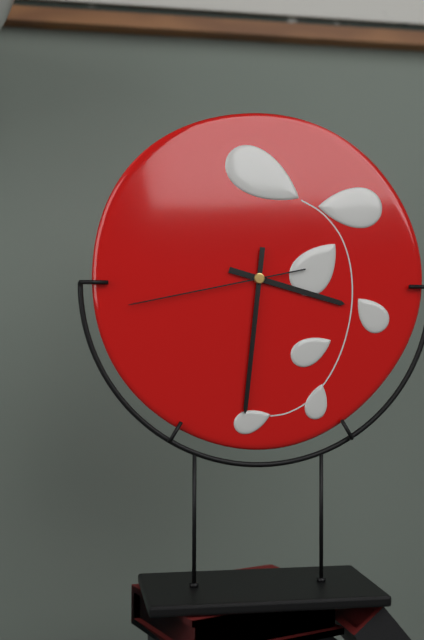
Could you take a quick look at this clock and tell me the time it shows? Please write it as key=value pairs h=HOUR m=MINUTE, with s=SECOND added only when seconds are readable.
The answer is h=3 m=31 s=43
